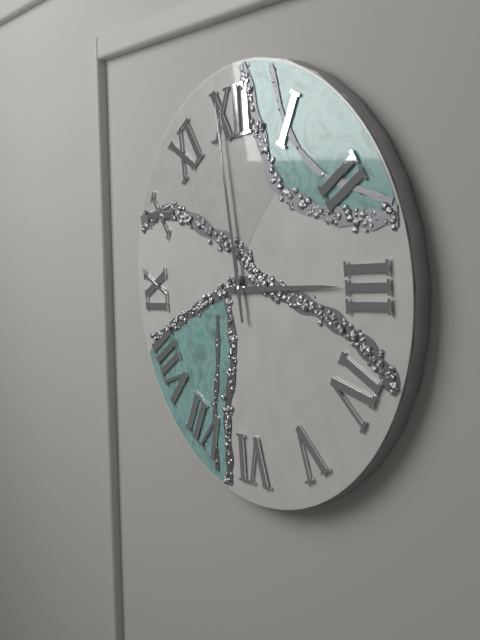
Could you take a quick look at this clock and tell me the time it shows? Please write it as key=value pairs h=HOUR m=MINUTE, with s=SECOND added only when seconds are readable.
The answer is h=2 m=59
